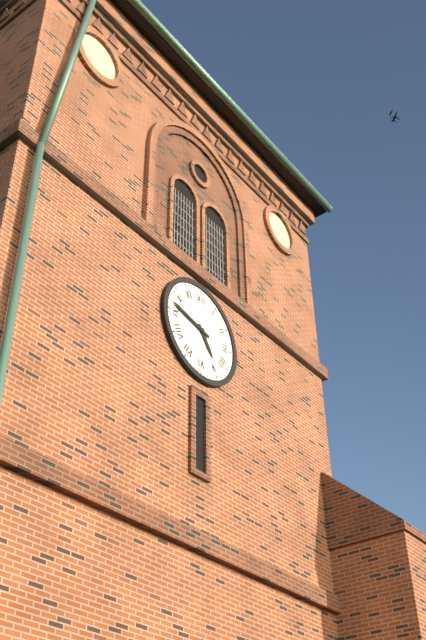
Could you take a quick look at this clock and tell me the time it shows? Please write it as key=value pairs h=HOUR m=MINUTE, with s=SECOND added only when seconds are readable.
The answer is h=4 m=47
